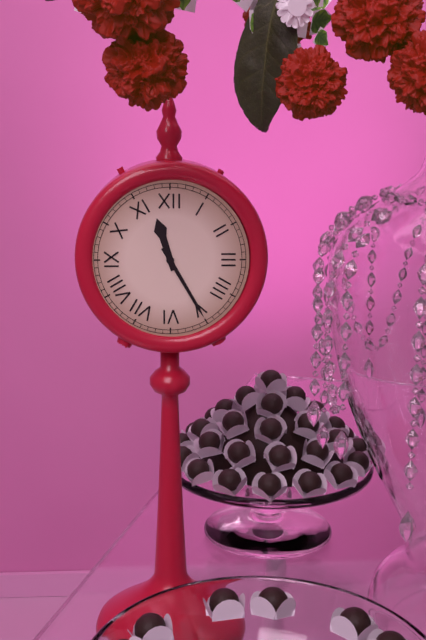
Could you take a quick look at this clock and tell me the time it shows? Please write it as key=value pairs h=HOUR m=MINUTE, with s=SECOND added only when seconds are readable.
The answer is h=11 m=25
